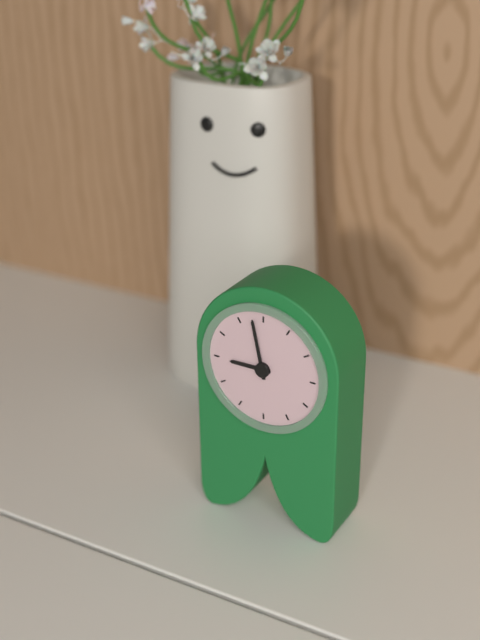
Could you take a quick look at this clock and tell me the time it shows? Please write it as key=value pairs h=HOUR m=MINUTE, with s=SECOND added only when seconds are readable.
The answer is h=8 m=58
